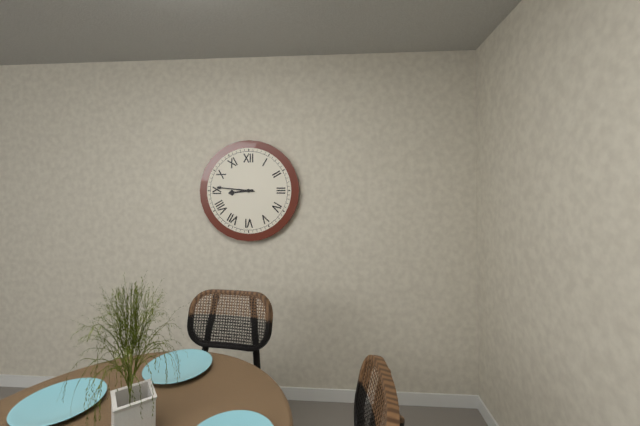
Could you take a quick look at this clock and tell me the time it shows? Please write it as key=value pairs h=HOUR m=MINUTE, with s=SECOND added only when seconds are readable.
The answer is h=8 m=46
